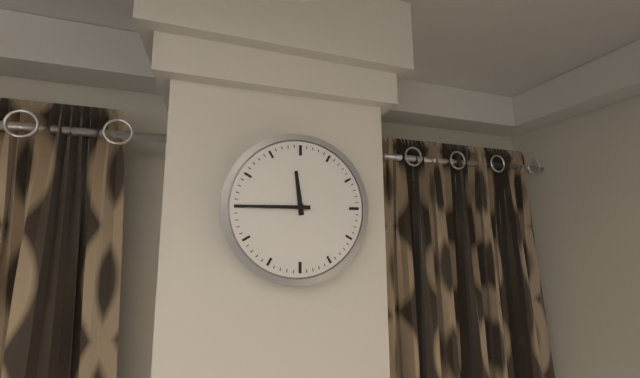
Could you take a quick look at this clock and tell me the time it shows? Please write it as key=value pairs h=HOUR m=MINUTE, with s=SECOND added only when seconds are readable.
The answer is h=11 m=45
